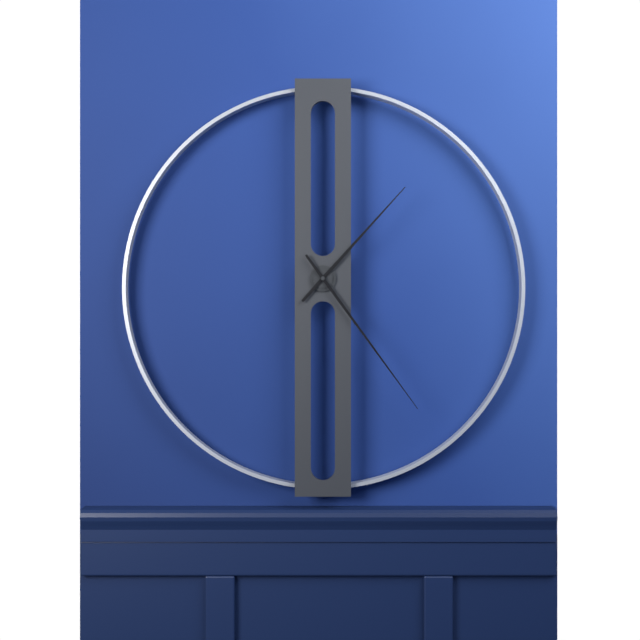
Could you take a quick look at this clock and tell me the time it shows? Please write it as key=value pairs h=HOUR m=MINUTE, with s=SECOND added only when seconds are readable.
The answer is h=1 m=24
